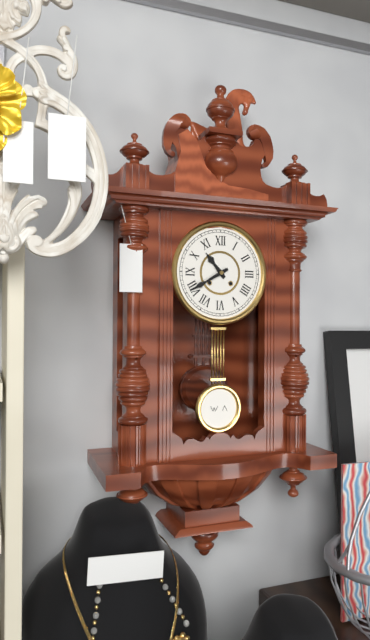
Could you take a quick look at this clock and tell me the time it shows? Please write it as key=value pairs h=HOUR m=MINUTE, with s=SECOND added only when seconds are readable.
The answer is h=10 m=40
